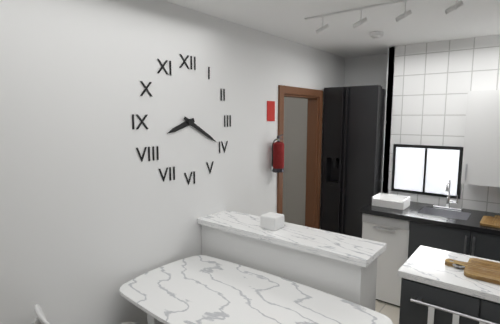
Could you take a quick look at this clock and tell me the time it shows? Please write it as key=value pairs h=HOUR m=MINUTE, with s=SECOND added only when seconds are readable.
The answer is h=8 m=20
